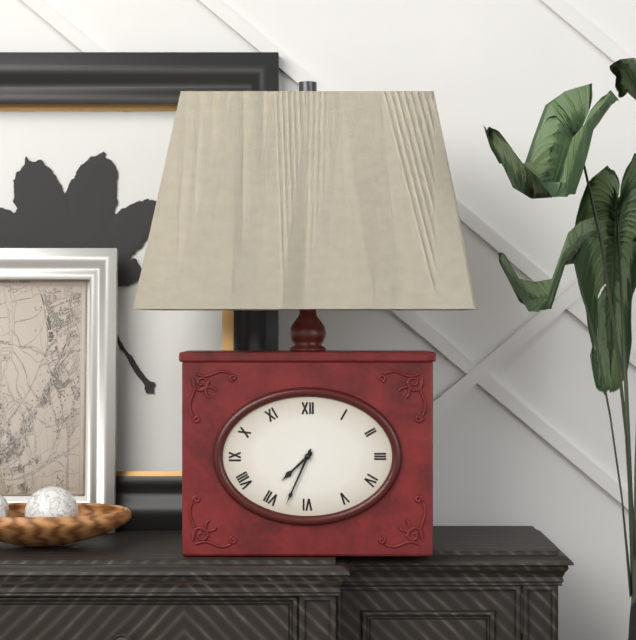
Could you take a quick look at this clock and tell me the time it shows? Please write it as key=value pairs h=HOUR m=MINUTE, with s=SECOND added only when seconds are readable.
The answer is h=7 m=34
